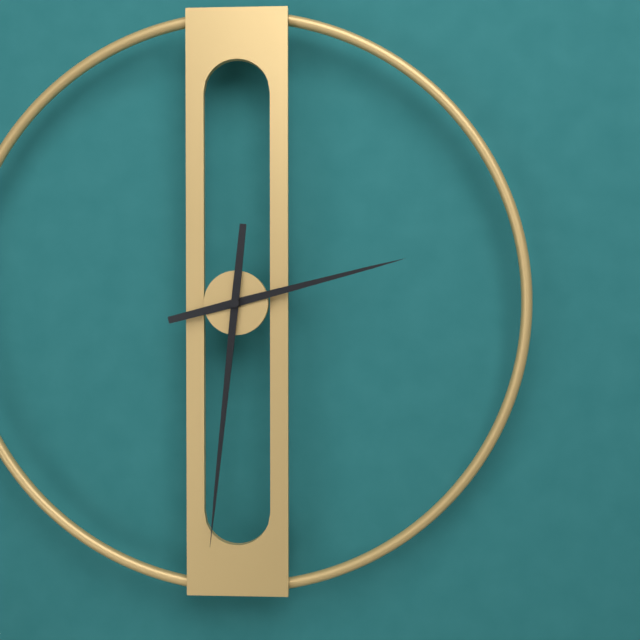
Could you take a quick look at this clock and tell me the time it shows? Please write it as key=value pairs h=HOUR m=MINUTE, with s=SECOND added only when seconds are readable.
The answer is h=2 m=31
